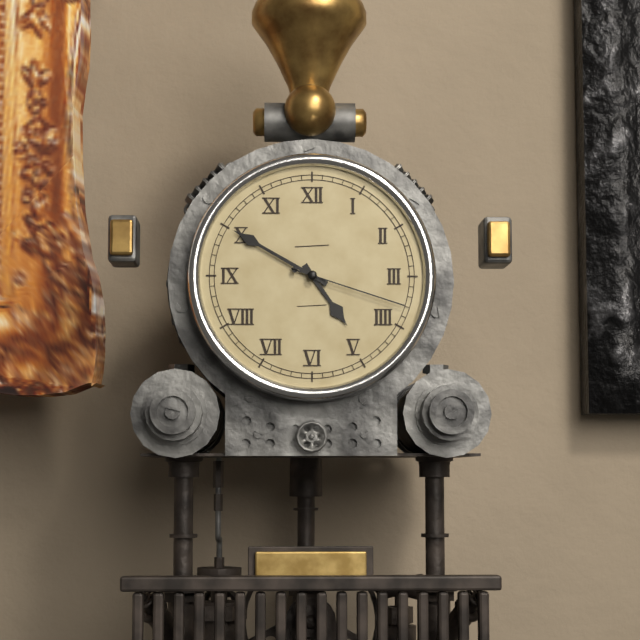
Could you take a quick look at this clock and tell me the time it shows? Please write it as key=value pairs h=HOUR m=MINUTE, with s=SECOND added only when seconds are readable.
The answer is h=4 m=50 s=18
